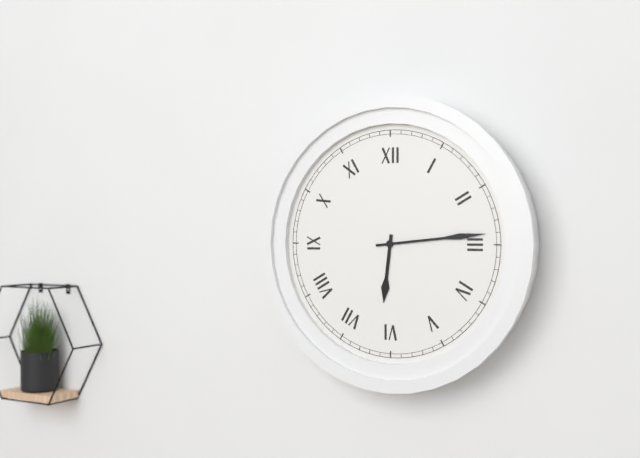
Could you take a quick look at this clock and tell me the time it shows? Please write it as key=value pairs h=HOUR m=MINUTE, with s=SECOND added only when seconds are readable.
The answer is h=6 m=14
